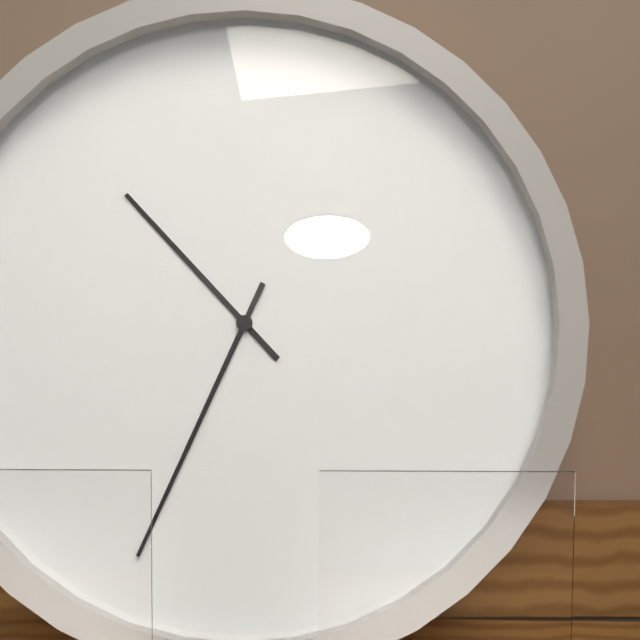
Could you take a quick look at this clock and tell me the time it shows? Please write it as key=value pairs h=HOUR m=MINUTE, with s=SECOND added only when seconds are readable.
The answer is h=10 m=34
